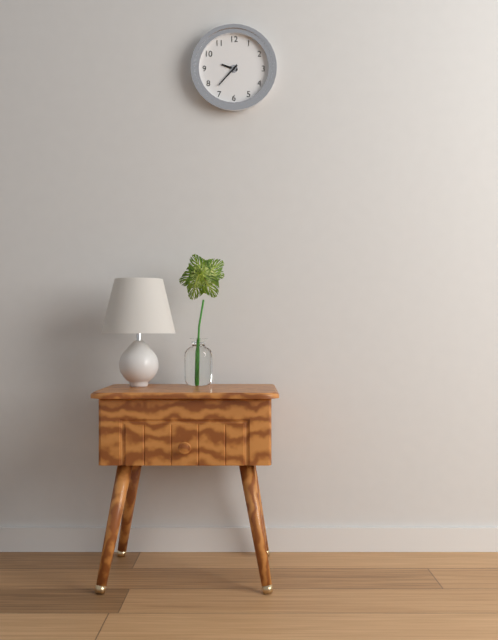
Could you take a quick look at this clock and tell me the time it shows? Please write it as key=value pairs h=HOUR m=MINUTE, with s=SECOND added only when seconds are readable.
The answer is h=9 m=37
